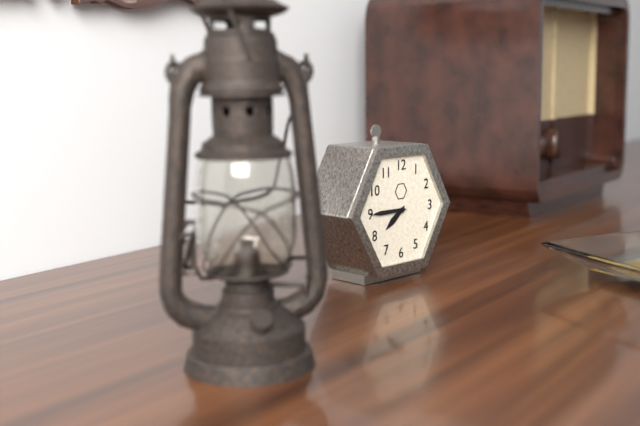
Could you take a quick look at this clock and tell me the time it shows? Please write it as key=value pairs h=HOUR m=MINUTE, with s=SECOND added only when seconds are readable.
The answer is h=7 m=45
